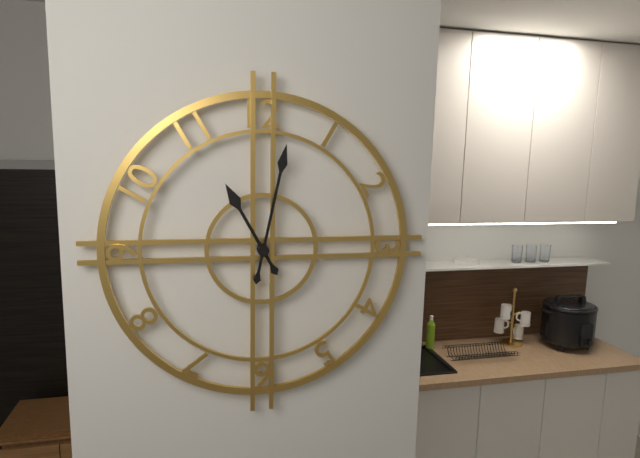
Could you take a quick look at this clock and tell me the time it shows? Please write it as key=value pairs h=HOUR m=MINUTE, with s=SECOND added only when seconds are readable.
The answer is h=11 m=2
